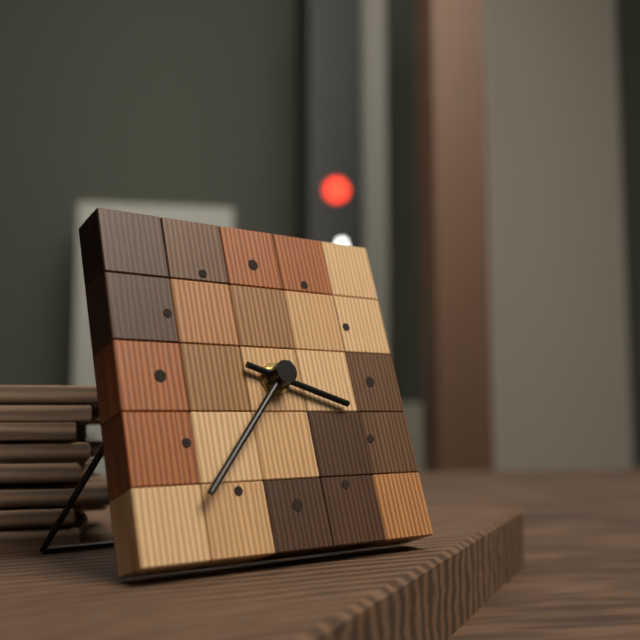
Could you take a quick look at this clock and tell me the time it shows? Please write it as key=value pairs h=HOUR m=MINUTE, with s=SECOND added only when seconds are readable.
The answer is h=3 m=37
